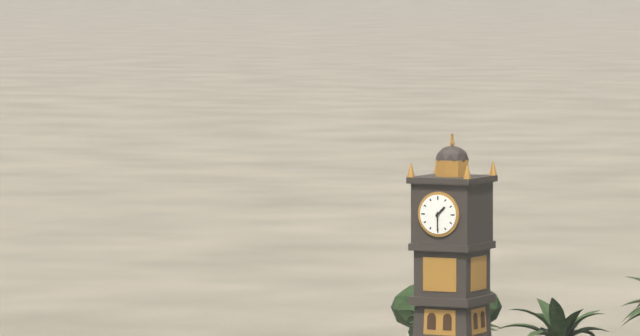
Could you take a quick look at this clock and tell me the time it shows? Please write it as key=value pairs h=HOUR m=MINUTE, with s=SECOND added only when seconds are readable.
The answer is h=1 m=30
